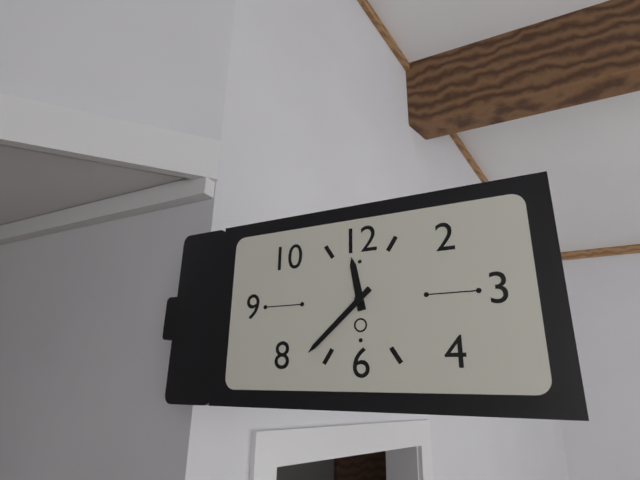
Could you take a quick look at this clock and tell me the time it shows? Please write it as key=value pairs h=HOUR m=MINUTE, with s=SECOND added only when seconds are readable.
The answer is h=11 m=38
